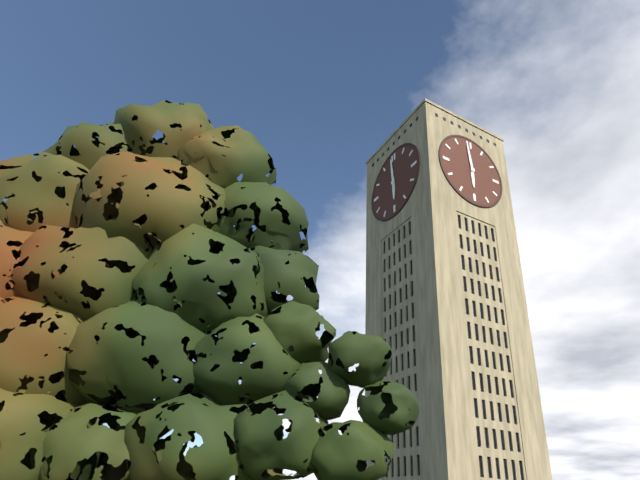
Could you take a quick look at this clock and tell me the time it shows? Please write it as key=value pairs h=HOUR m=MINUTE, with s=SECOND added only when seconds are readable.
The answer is h=5 m=59
